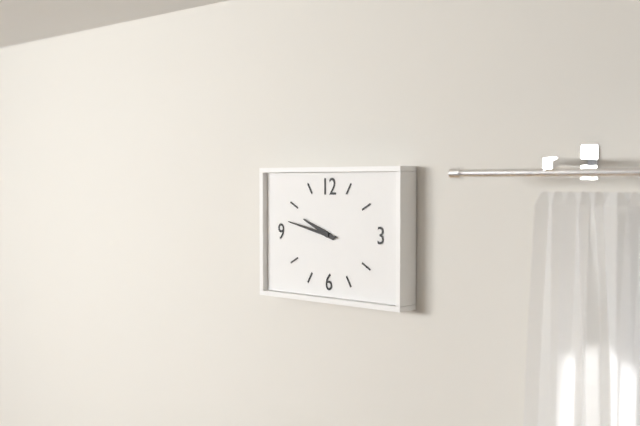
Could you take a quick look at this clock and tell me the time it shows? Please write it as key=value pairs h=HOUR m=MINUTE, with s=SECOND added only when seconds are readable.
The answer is h=9 m=47
